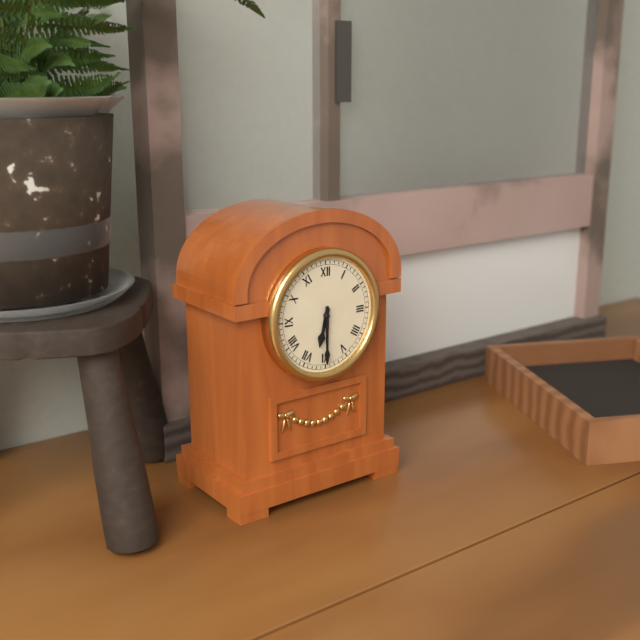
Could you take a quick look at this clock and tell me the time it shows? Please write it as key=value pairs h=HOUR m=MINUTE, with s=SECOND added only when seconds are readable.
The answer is h=6 m=30
